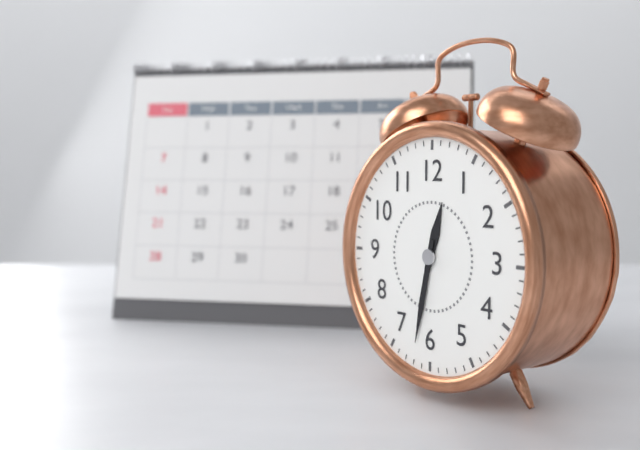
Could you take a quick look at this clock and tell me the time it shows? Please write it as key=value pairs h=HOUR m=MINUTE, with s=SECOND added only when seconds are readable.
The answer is h=12 m=32
